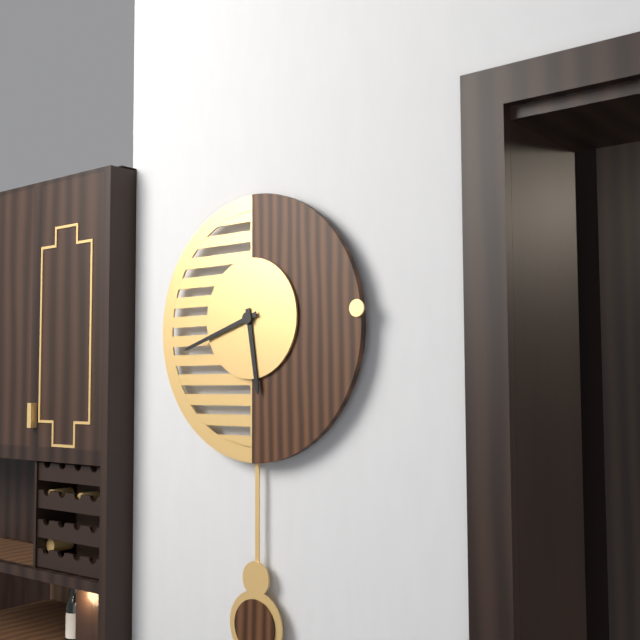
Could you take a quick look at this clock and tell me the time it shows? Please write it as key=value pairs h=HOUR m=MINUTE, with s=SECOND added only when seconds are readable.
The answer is h=5 m=42
